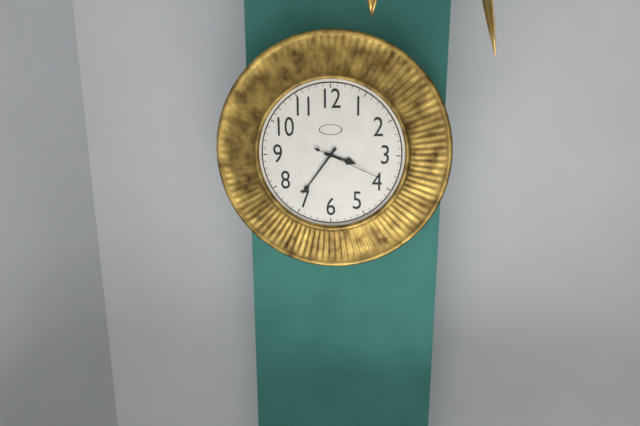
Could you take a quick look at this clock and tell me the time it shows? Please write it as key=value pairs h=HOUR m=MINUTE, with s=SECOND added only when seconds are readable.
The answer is h=3 m=36 s=19
